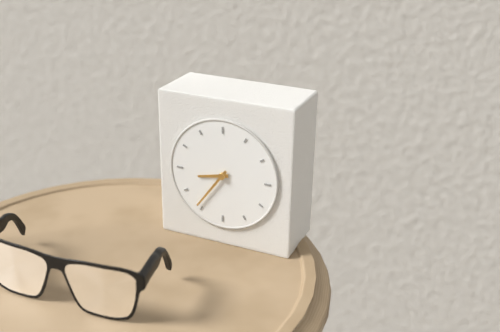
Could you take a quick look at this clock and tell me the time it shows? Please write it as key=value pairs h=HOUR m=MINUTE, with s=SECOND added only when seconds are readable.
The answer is h=8 m=36
